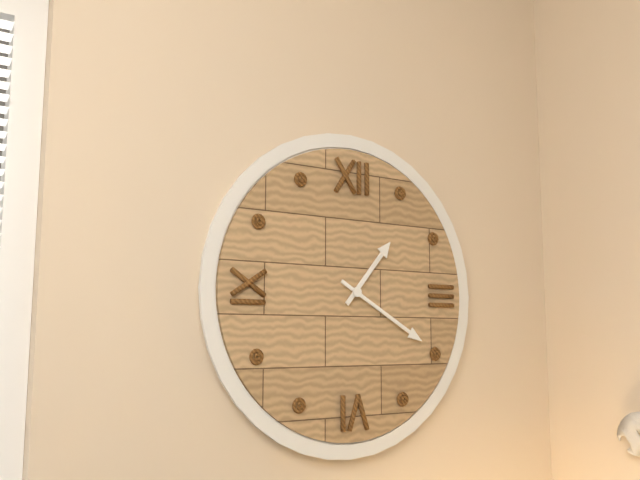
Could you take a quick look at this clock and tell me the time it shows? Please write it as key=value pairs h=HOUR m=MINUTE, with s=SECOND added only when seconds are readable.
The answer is h=1 m=20
